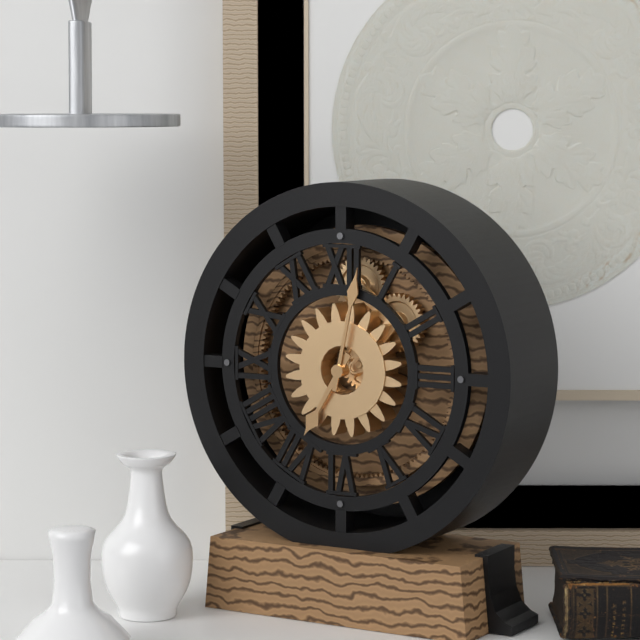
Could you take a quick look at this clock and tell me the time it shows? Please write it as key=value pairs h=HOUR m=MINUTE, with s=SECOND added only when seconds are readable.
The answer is h=7 m=2
